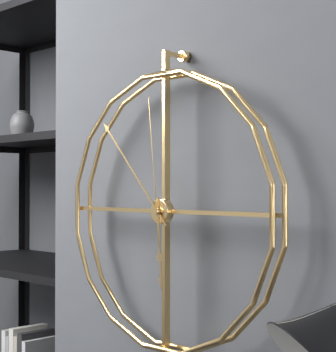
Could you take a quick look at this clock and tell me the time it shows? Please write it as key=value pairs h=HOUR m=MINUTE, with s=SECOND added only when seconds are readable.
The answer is h=5 m=53 s=59
